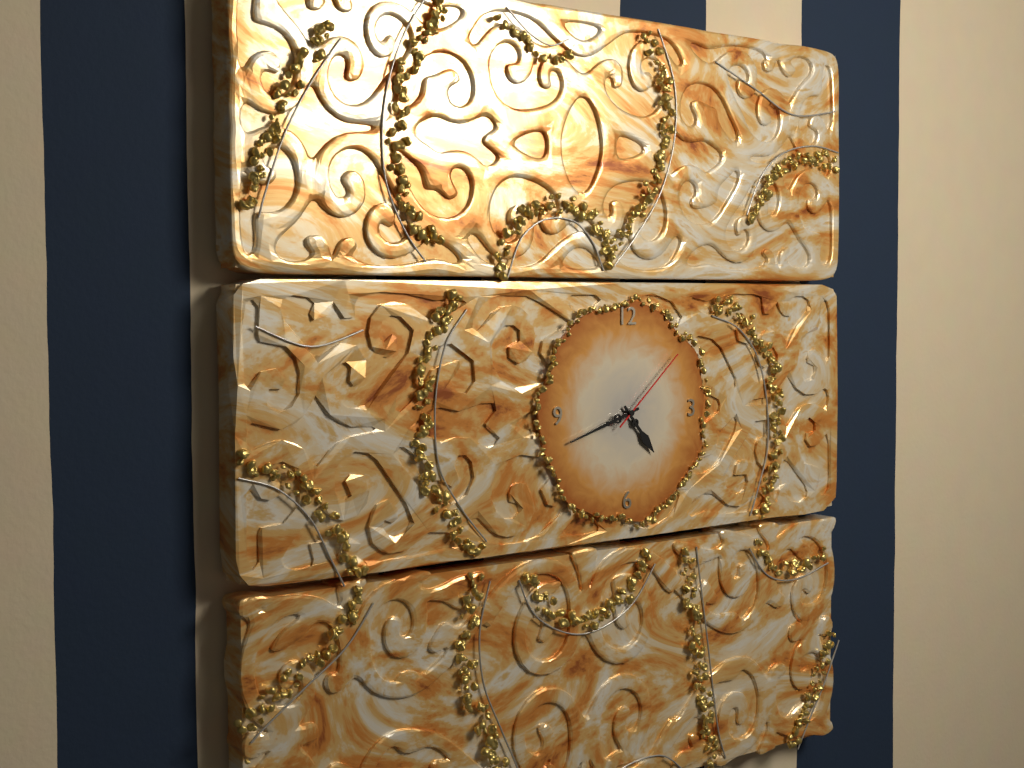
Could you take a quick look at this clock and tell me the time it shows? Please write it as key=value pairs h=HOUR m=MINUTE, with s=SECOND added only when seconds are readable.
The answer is h=4 m=42 s=8
